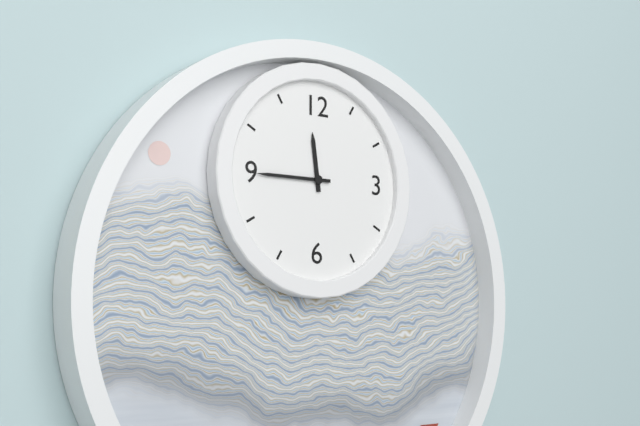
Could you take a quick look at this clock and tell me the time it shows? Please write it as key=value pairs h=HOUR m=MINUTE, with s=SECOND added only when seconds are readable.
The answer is h=11 m=45
